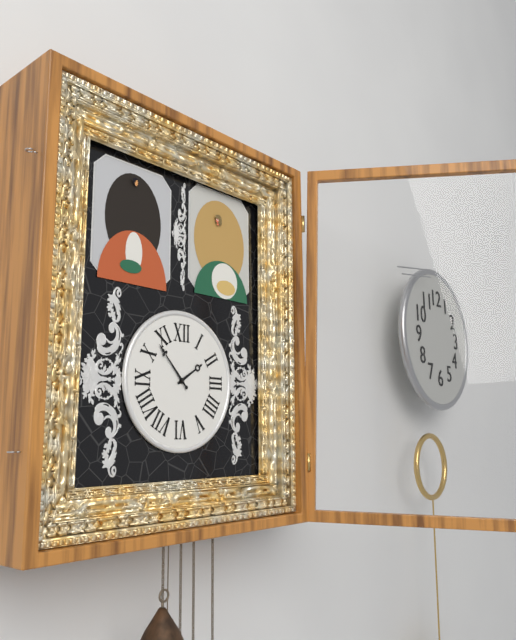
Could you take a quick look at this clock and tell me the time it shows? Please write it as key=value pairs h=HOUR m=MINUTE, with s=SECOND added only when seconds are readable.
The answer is h=1 m=53
